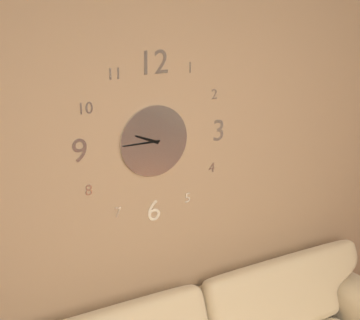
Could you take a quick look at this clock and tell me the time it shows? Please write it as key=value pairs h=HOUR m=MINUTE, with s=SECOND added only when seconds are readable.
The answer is h=9 m=45
